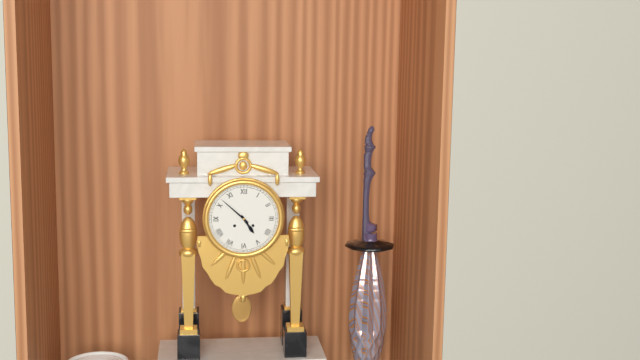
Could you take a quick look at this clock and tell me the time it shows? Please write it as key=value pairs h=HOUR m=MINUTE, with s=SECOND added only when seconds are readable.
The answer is h=4 m=52
